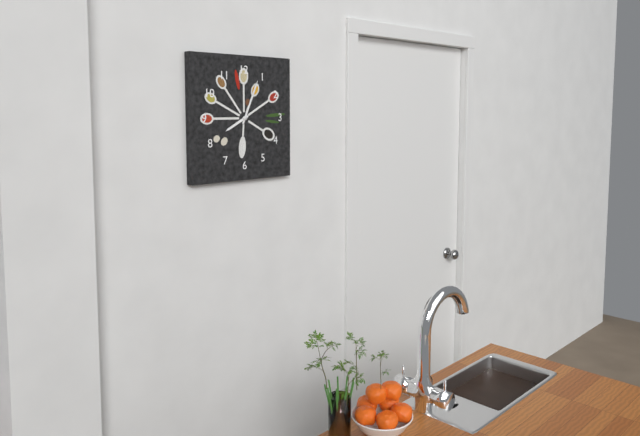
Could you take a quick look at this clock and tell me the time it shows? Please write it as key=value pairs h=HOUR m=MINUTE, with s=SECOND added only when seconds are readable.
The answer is h=8 m=4
